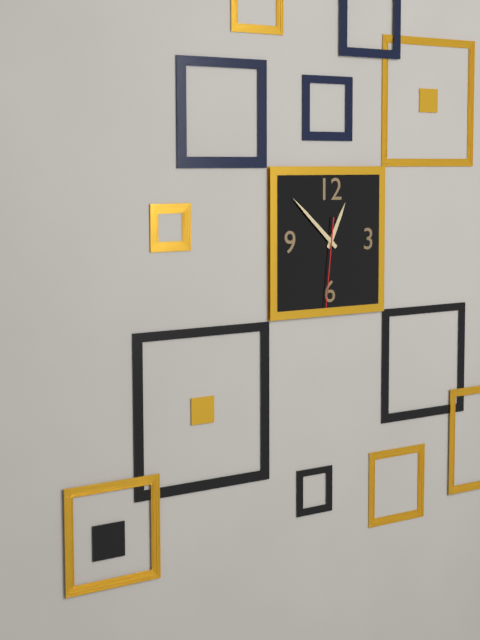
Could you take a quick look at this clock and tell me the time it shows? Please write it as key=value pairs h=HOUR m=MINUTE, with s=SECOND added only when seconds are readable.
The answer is h=12 m=52 s=31
